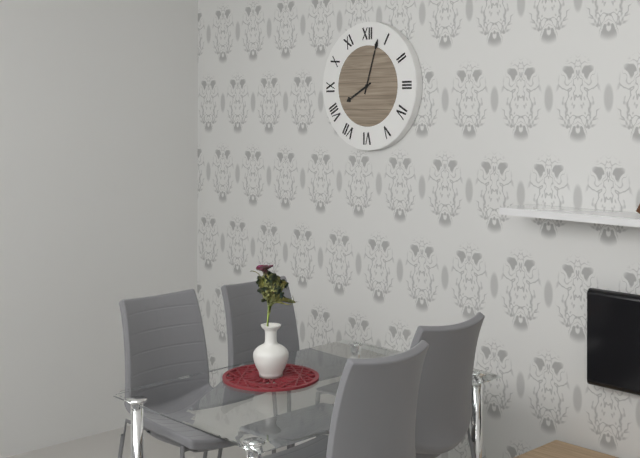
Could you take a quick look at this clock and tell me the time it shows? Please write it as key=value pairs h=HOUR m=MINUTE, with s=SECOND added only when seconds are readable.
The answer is h=8 m=3
